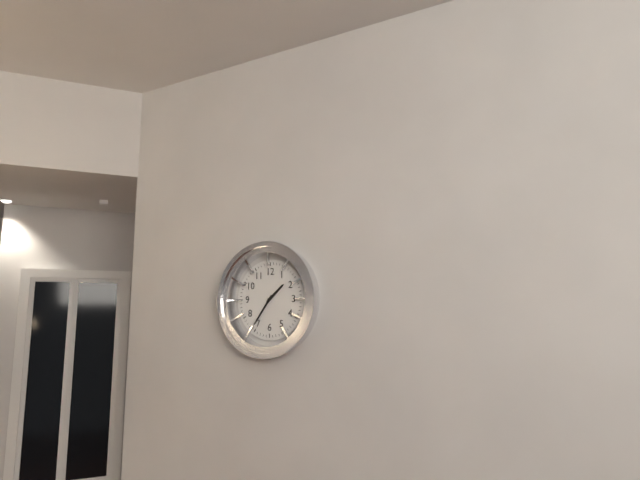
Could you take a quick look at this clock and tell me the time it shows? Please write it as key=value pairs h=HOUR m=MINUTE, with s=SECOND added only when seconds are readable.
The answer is h=1 m=36
